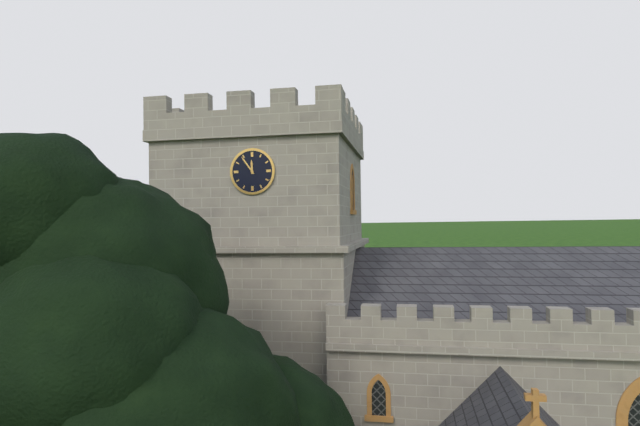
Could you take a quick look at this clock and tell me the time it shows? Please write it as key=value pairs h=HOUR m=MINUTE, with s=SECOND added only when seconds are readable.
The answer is h=11 m=54
